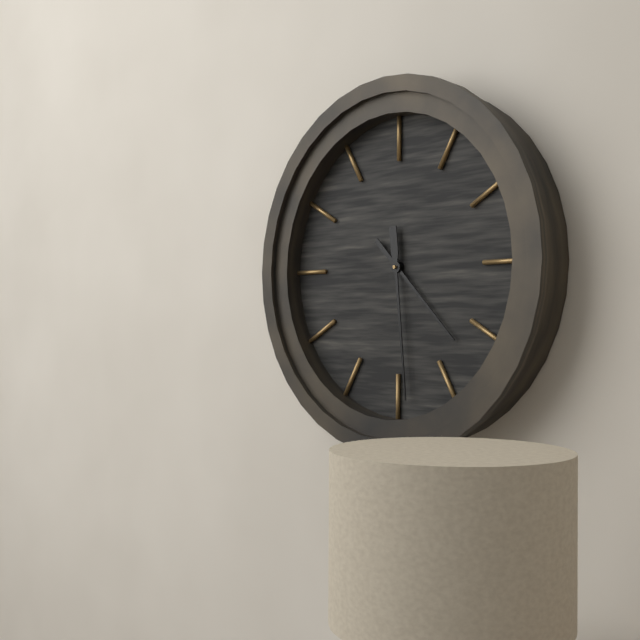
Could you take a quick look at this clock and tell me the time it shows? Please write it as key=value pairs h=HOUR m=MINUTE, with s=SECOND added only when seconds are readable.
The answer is h=4 m=29
